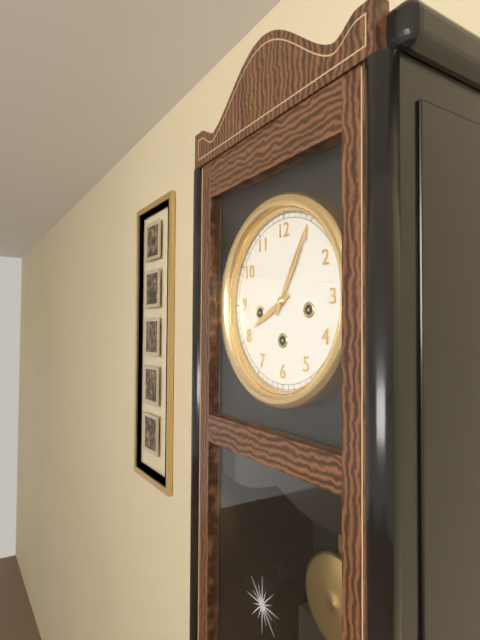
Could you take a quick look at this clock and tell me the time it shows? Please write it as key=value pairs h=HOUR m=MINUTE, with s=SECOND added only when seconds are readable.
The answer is h=8 m=5
